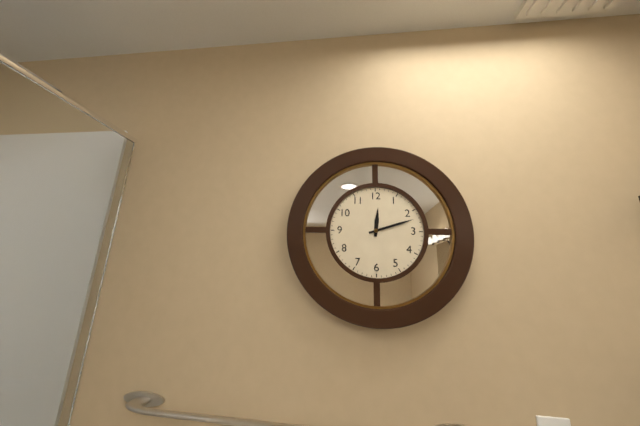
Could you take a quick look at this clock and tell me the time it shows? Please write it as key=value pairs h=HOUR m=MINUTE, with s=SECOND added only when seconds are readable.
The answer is h=12 m=12
